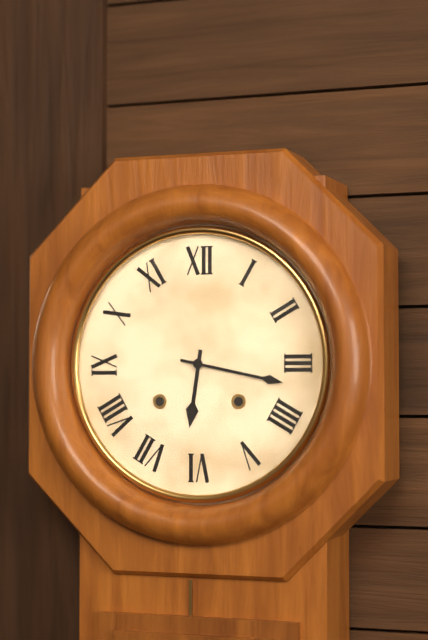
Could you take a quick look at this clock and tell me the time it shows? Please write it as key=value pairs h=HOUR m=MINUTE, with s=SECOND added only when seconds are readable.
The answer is h=6 m=17
